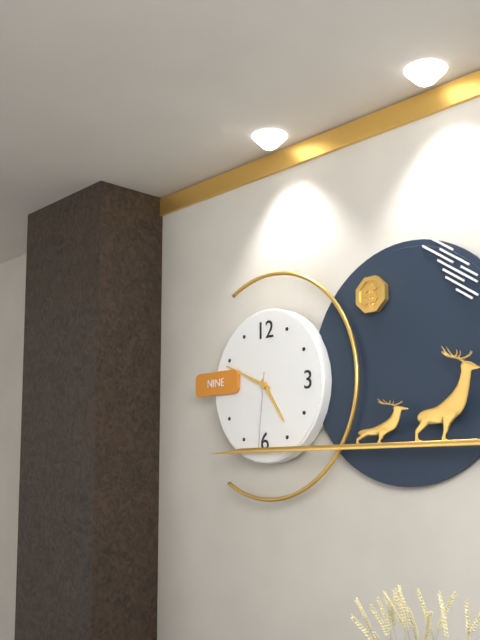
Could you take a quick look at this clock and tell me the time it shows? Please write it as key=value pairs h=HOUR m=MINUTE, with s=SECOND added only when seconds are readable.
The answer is h=4 m=49 s=31
